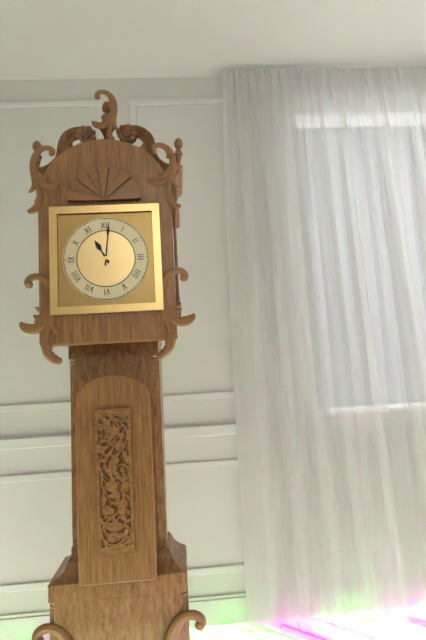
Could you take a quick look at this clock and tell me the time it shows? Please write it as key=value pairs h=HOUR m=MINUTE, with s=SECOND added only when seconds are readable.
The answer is h=11 m=1
